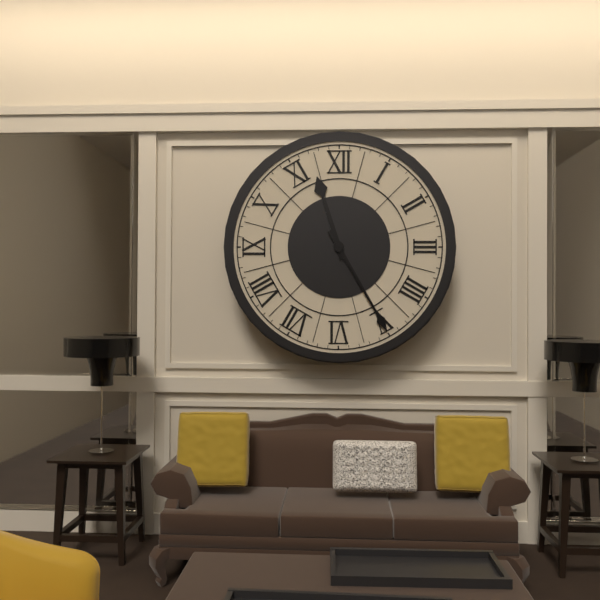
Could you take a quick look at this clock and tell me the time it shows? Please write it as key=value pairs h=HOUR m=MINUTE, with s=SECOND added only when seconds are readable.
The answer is h=11 m=25
